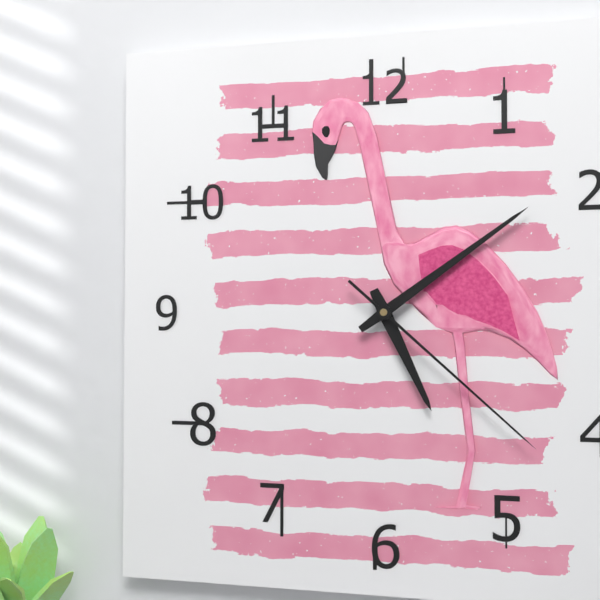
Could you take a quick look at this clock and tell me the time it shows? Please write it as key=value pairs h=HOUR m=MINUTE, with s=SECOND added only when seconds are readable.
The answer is h=5 m=9 s=22
